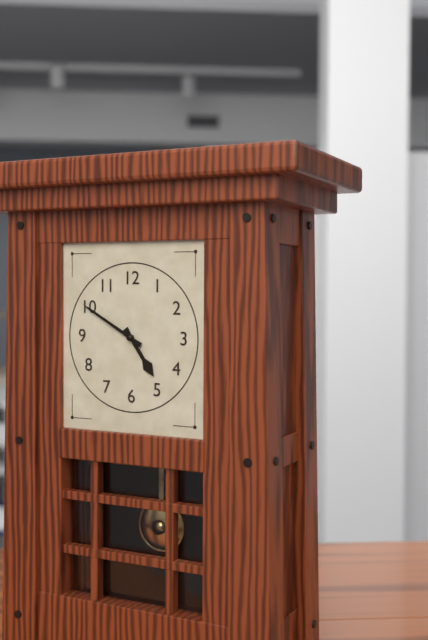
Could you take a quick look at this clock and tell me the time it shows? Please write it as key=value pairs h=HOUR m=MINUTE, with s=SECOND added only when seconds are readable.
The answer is h=4 m=50
